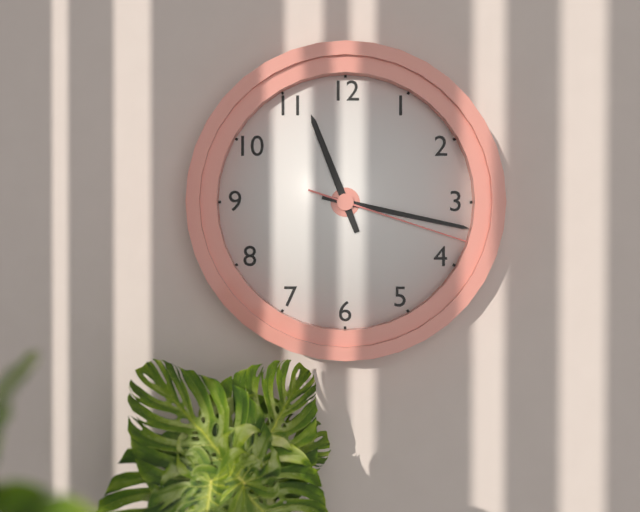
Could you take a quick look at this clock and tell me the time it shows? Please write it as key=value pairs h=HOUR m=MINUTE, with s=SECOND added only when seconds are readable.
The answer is h=11 m=17 s=18
